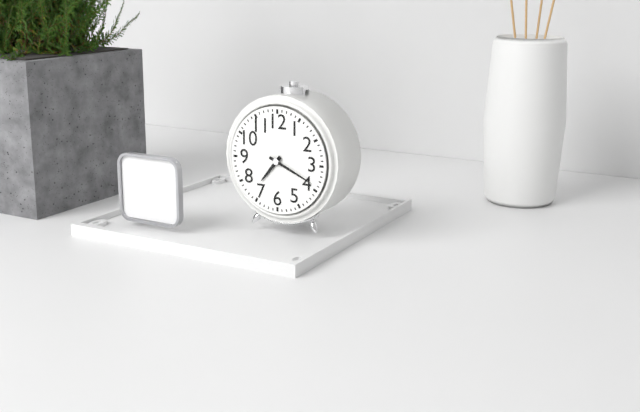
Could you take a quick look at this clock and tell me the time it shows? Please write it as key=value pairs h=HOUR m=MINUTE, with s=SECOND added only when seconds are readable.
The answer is h=7 m=19
